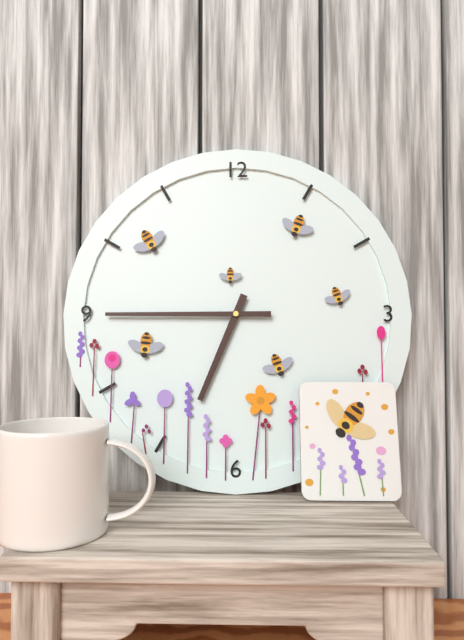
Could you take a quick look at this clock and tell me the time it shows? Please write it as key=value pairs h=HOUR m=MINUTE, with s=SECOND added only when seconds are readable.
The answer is h=6 m=45
